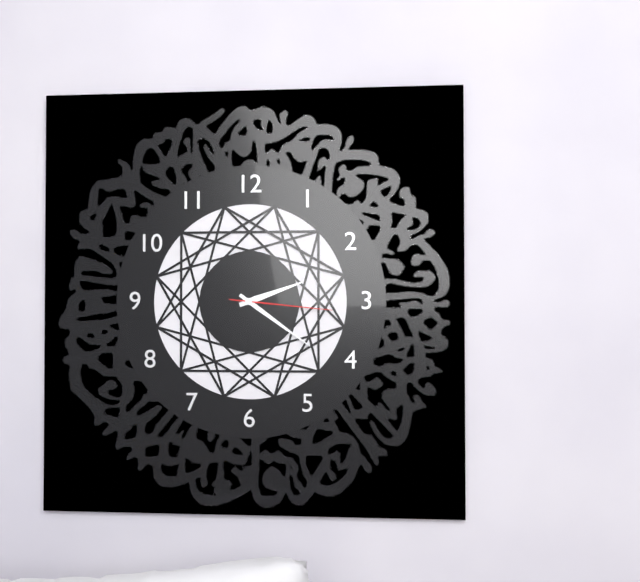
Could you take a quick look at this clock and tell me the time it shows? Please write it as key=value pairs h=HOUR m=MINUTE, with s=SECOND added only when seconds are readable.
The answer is h=2 m=21 s=16
